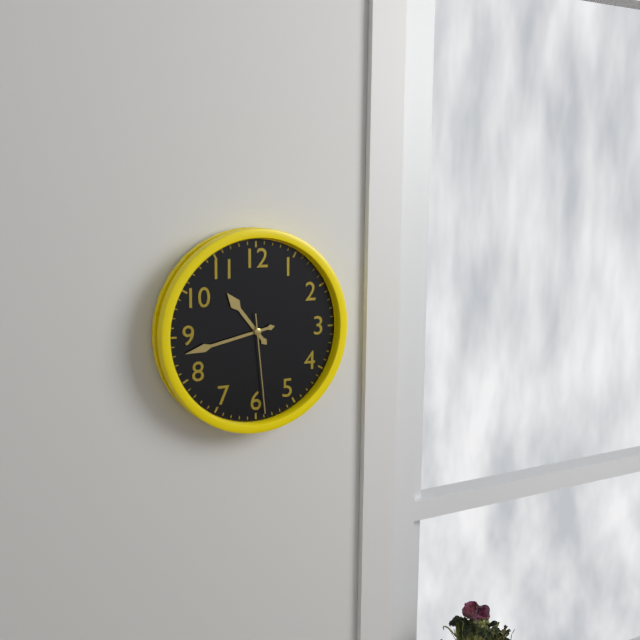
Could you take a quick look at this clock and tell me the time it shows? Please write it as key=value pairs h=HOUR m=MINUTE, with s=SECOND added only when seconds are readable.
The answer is h=10 m=43 s=29
